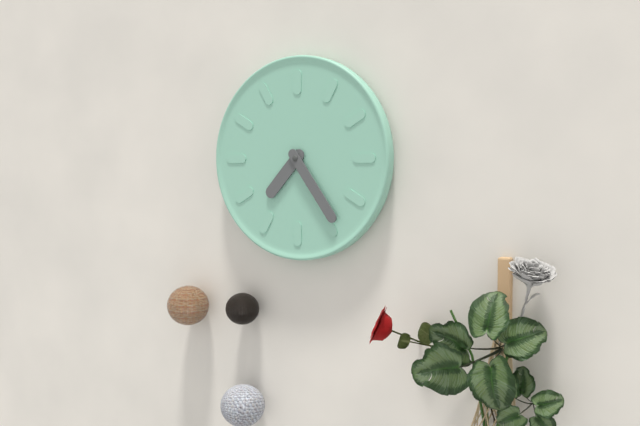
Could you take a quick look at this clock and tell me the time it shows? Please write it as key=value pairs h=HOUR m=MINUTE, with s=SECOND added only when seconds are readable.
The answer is h=7 m=24
